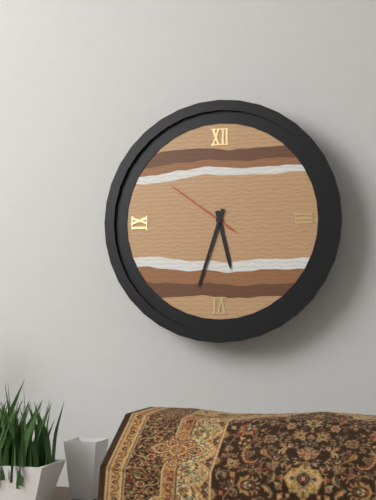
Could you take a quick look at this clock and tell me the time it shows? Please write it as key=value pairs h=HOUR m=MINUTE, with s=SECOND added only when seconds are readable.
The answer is h=5 m=33 s=51
